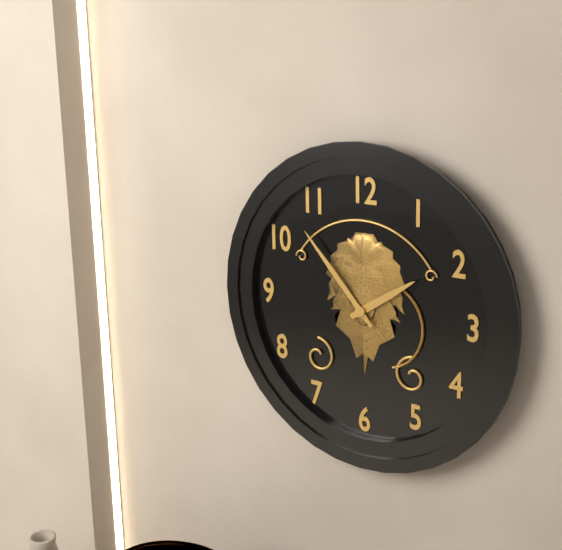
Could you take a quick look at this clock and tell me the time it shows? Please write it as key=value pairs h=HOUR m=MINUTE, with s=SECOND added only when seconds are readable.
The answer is h=1 m=53
